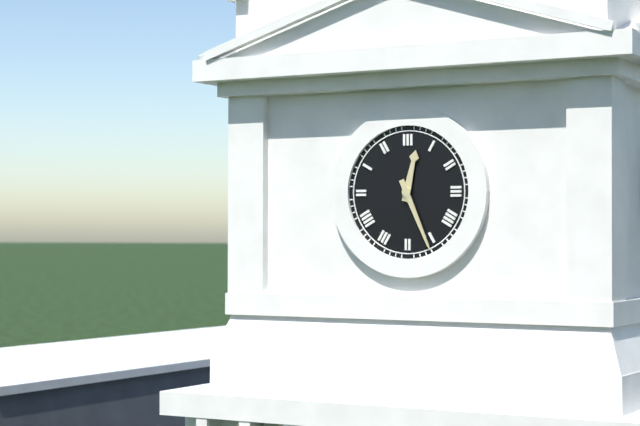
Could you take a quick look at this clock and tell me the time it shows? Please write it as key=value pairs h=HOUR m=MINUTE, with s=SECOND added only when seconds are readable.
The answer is h=12 m=26
